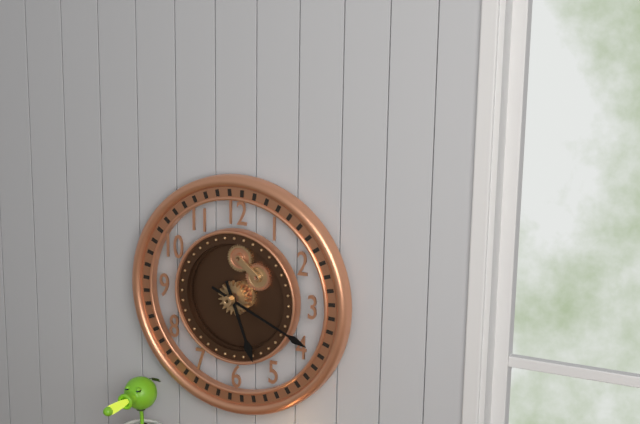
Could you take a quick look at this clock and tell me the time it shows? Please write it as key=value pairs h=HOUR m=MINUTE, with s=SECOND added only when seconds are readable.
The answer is h=5 m=19
